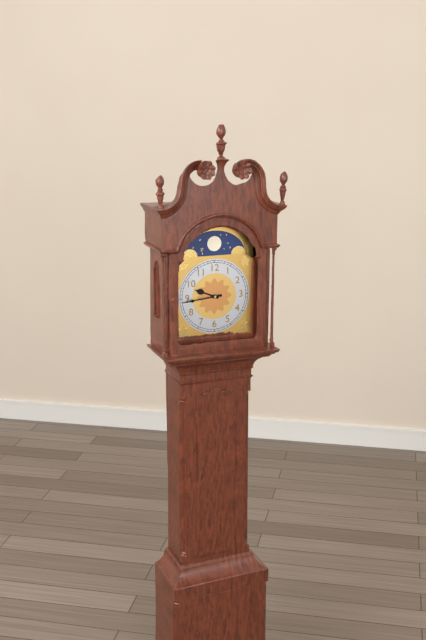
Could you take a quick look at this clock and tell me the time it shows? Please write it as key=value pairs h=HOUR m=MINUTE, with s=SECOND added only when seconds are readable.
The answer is h=9 m=44
